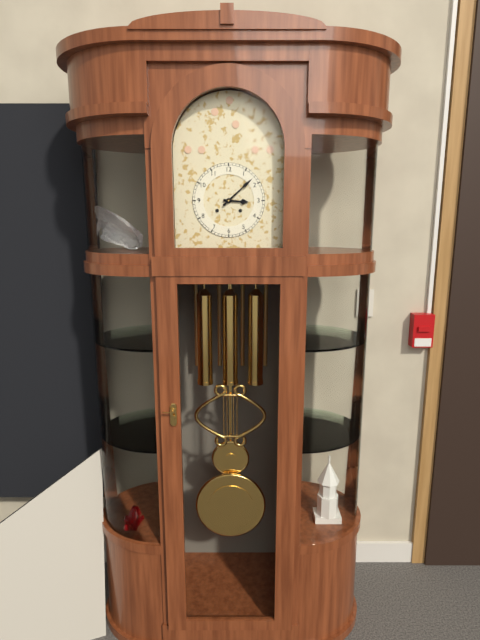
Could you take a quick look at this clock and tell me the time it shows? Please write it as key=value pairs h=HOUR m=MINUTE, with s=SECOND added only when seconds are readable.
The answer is h=3 m=8
